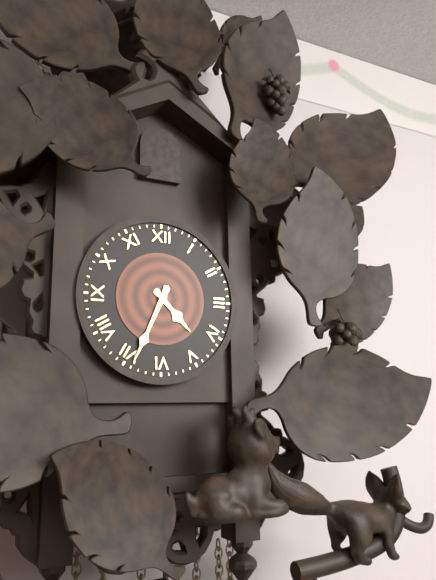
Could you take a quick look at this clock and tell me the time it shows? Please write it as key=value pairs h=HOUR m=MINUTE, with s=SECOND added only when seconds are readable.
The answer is h=4 m=34
